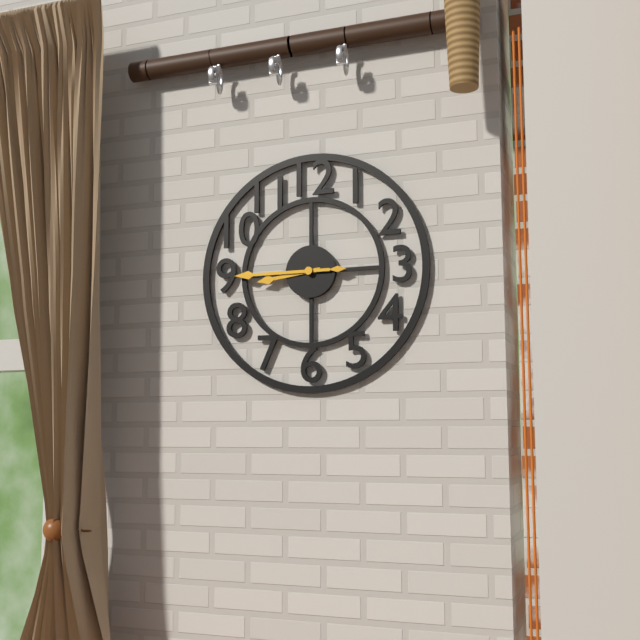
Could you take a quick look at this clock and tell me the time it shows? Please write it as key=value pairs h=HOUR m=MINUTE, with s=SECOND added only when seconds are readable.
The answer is h=8 m=45
